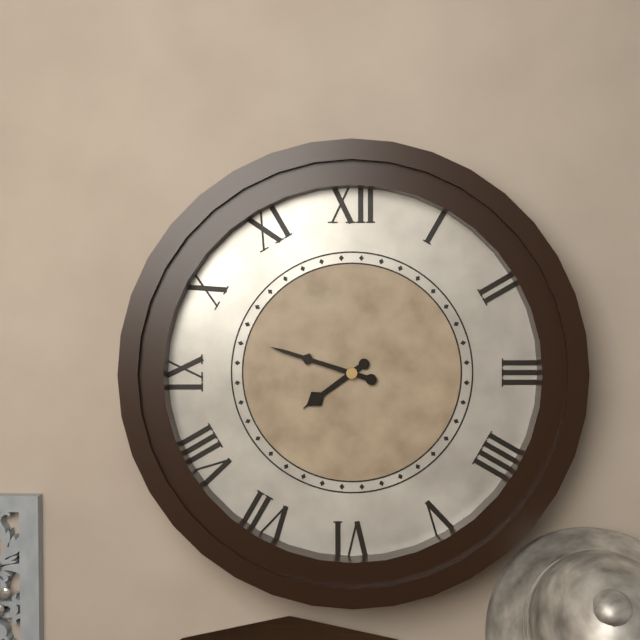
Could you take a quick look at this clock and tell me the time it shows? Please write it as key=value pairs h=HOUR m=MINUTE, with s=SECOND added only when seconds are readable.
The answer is h=7 m=48
